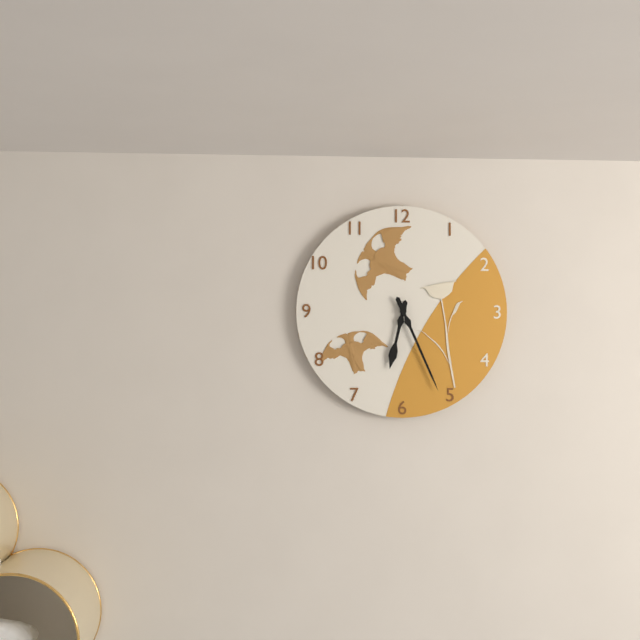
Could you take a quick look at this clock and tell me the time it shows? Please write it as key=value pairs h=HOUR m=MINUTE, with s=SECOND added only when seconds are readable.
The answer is h=6 m=26
